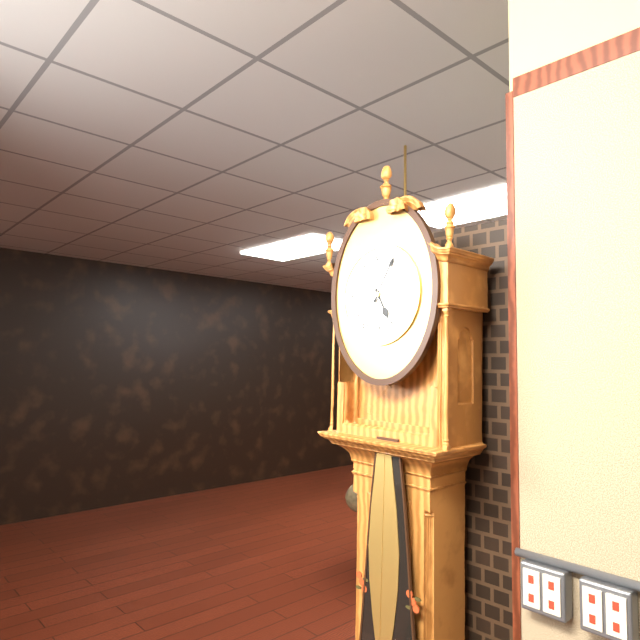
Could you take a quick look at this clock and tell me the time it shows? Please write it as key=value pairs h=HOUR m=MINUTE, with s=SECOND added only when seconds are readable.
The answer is h=5 m=5
